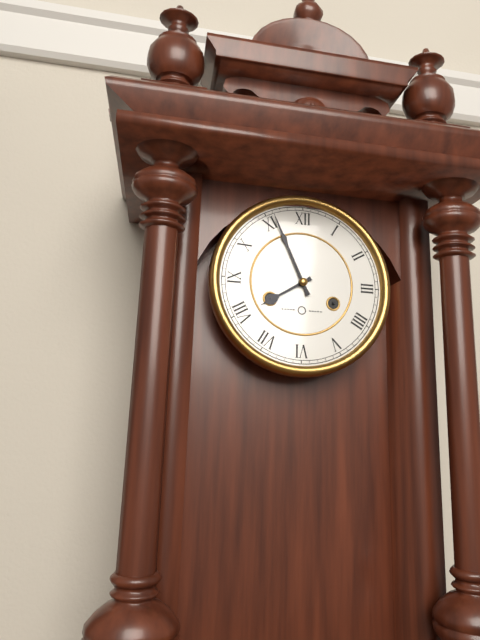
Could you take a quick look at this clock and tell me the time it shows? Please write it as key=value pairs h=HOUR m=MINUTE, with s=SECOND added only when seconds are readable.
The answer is h=7 m=56
